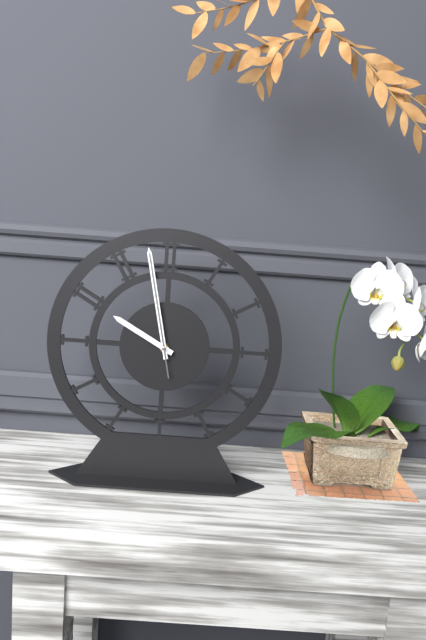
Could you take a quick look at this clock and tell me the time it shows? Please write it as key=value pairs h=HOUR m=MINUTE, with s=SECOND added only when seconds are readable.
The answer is h=9 m=58 s=58
